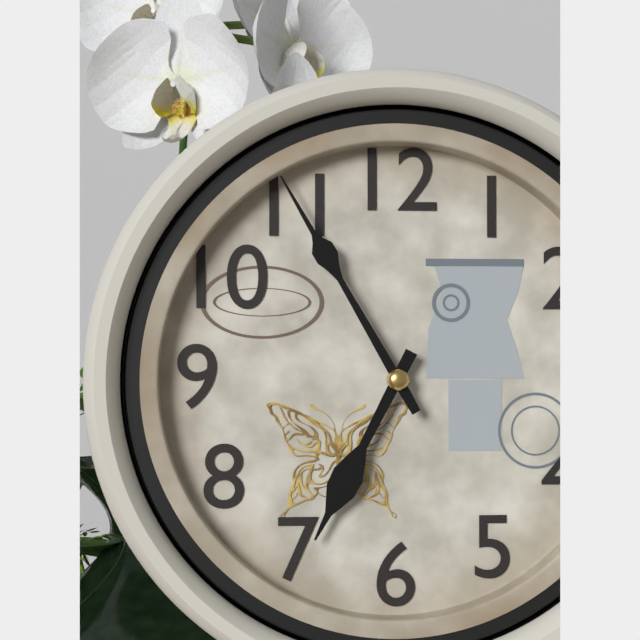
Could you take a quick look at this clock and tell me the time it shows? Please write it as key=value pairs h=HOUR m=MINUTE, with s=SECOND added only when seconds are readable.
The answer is h=6 m=55
